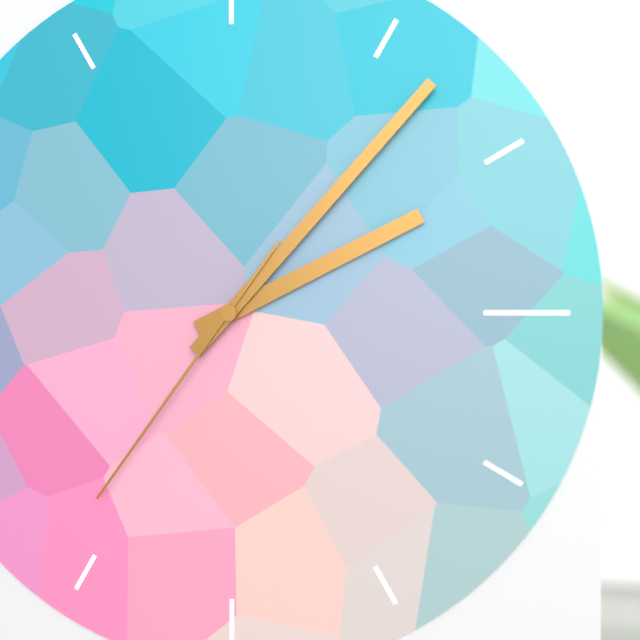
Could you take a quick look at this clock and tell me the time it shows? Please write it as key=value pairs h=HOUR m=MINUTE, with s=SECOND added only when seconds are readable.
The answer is h=2 m=7 s=36
